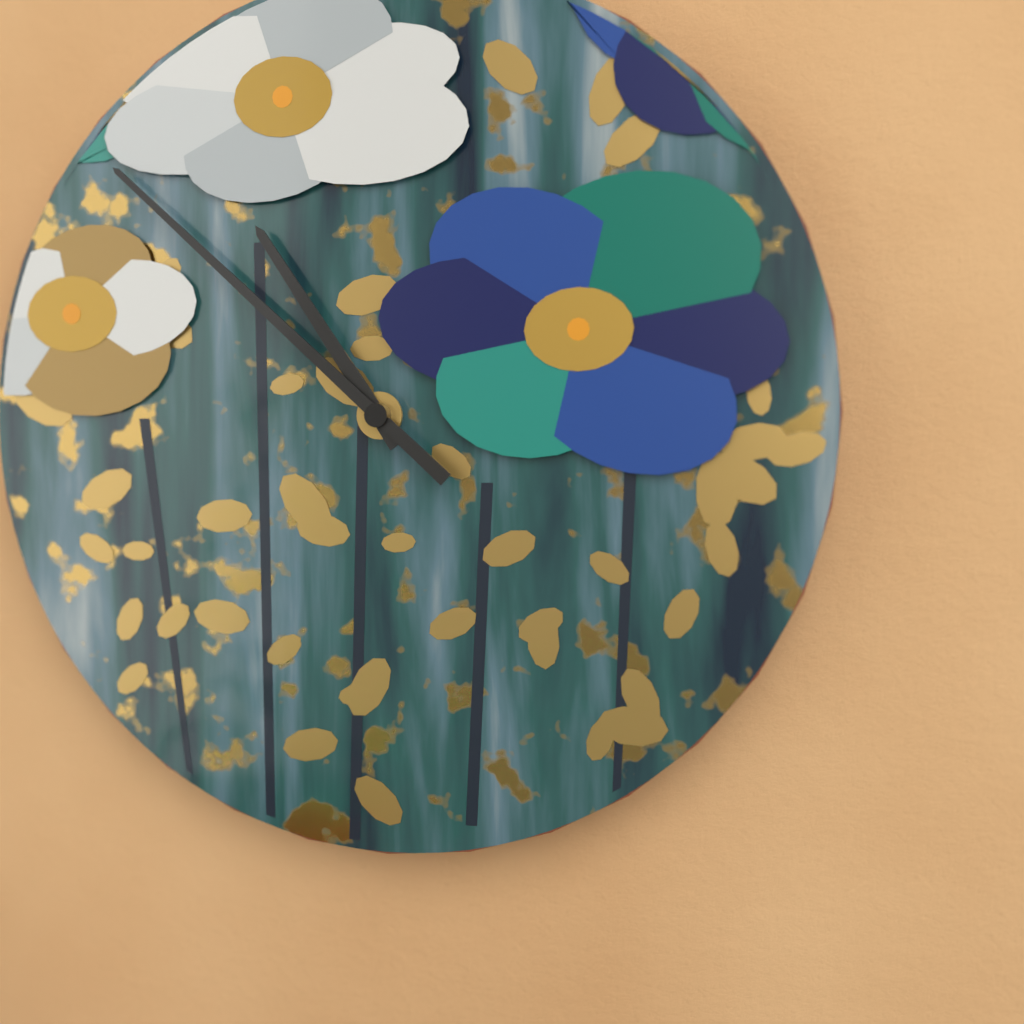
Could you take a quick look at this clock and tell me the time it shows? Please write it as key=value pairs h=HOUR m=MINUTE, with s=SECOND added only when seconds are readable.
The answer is h=10 m=52
